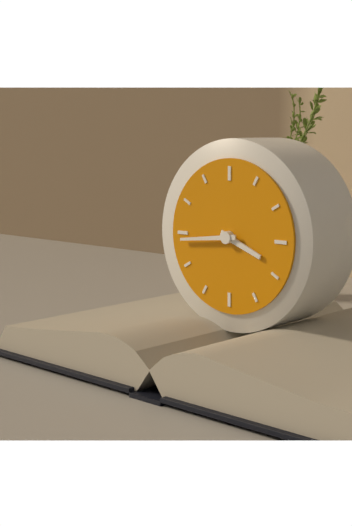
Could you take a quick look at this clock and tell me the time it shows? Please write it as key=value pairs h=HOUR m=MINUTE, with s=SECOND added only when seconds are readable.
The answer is h=3 m=44
